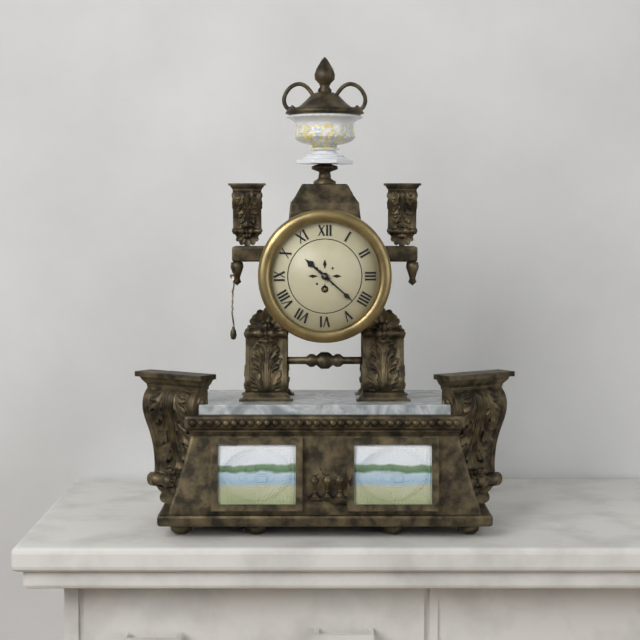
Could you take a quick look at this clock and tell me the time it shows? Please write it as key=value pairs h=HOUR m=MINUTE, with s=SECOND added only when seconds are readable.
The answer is h=10 m=22
